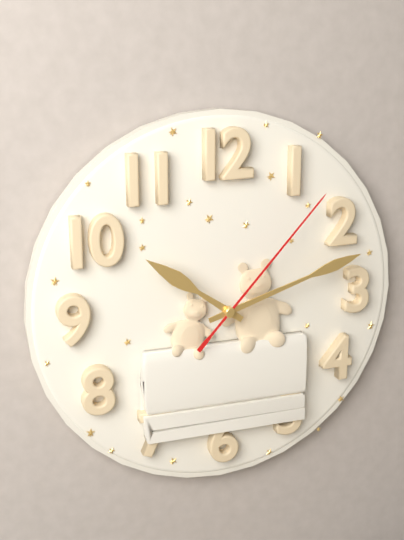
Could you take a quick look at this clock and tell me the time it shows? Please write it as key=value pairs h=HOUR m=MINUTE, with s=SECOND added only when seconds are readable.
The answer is h=10 m=12 s=7
